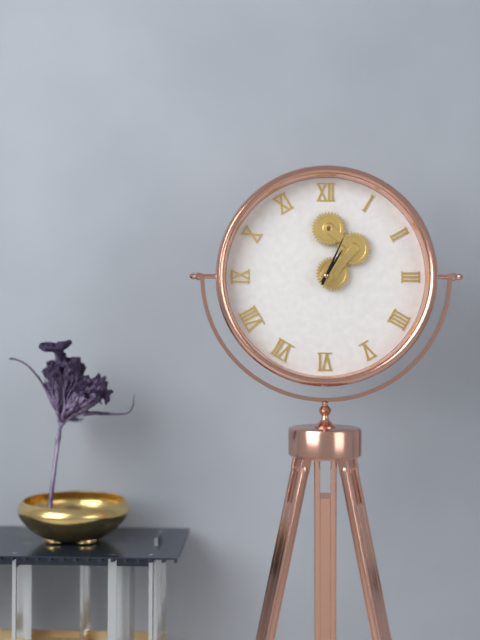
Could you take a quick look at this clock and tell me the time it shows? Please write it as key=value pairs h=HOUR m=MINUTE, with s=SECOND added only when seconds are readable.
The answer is h=1 m=4
